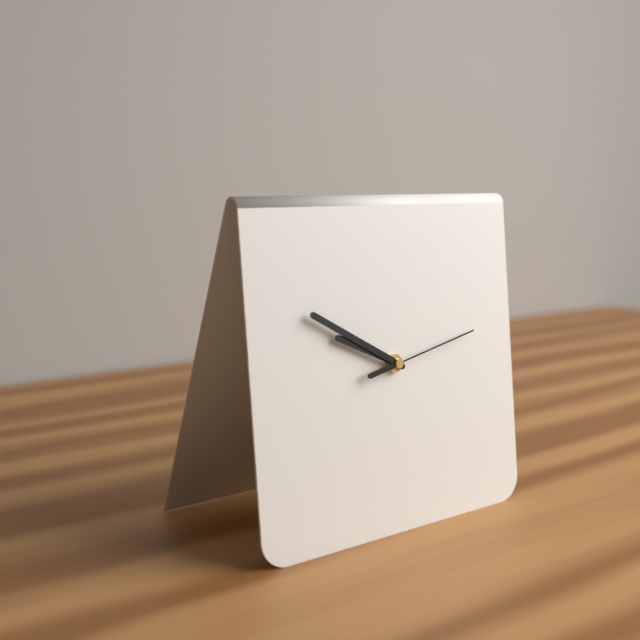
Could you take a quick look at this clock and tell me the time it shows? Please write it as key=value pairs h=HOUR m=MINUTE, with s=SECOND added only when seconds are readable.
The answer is h=9 m=50 s=13
